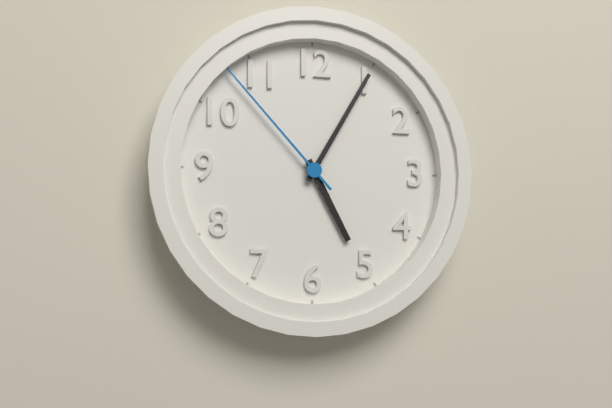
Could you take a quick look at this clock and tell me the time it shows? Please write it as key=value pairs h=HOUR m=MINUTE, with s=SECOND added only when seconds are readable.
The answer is h=5 m=5 s=53
